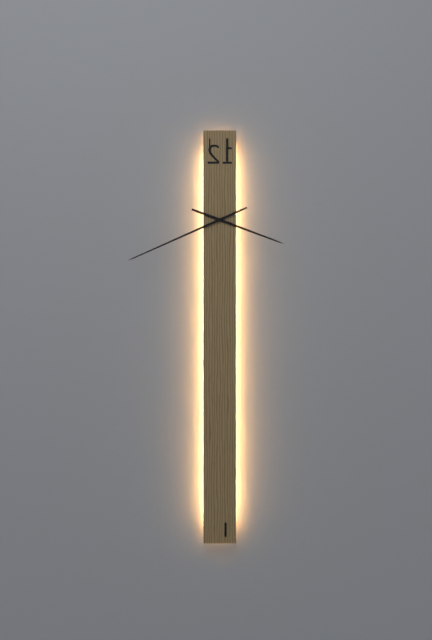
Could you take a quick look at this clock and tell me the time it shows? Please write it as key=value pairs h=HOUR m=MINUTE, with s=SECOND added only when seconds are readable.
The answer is h=3 m=41
